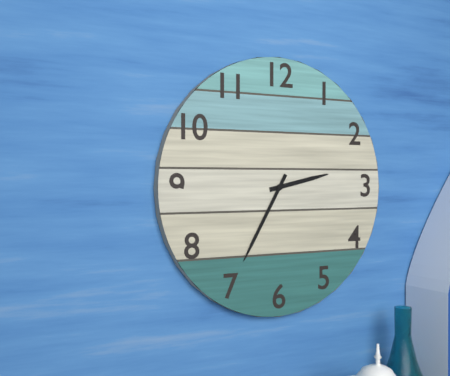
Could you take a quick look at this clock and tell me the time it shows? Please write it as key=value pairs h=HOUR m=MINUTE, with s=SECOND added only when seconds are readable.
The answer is h=2 m=35
